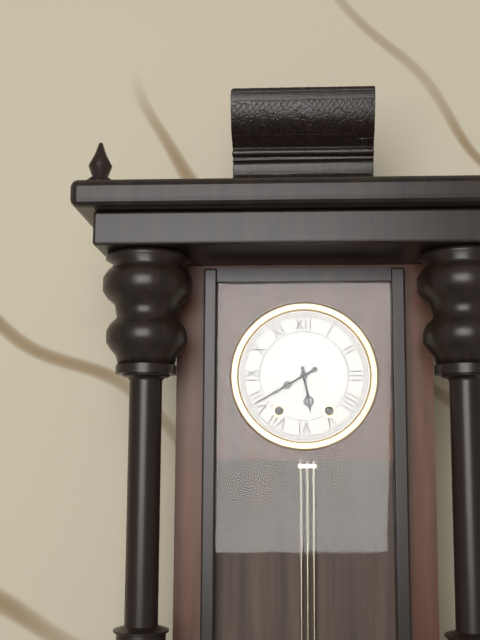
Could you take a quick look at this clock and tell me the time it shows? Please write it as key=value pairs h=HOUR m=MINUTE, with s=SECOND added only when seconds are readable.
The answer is h=5 m=40
